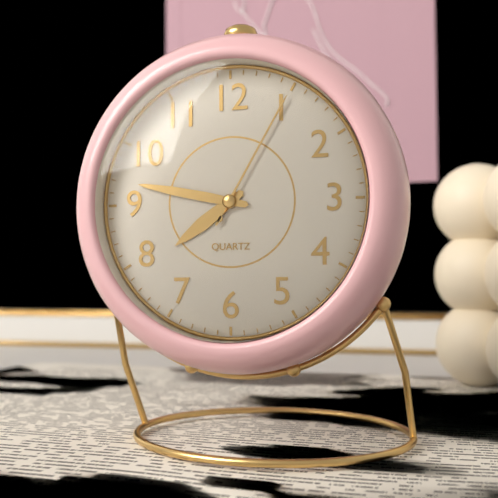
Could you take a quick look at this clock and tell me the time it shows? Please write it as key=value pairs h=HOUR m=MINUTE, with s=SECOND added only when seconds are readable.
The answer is h=7 m=47 s=5
